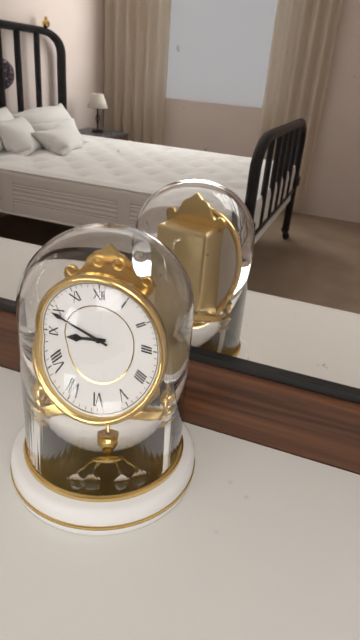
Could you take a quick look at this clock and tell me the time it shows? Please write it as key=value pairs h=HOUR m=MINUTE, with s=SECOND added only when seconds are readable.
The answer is h=8 m=49
